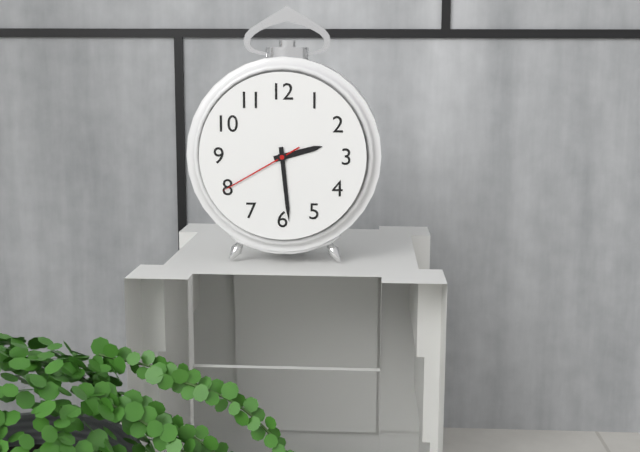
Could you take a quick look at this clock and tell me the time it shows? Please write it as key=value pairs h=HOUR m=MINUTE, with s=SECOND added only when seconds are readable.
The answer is h=2 m=29 s=40
